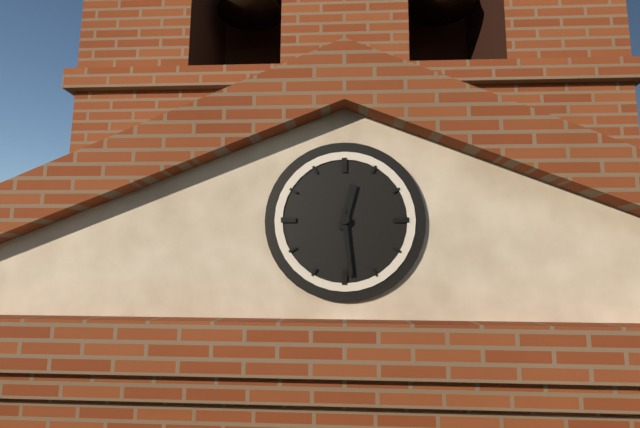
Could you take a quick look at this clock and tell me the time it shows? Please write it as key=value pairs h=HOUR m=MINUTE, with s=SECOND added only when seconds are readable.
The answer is h=12 m=29
